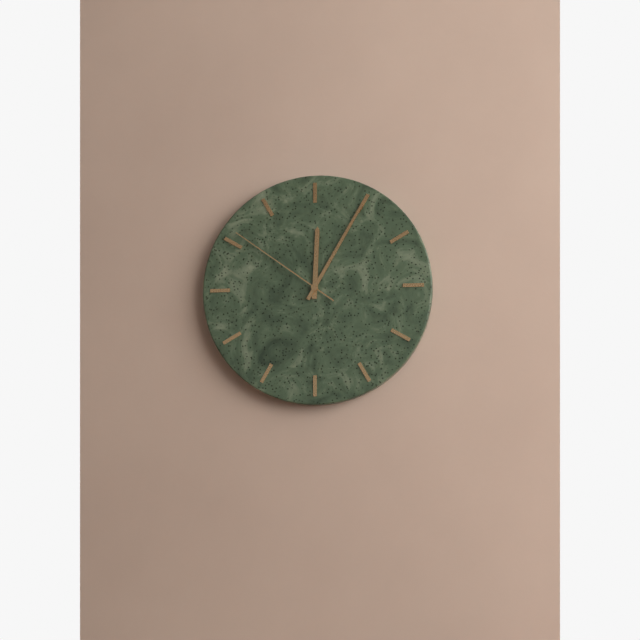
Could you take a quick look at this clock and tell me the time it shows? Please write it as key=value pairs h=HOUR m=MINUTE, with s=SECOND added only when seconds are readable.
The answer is h=12 m=5 s=51
